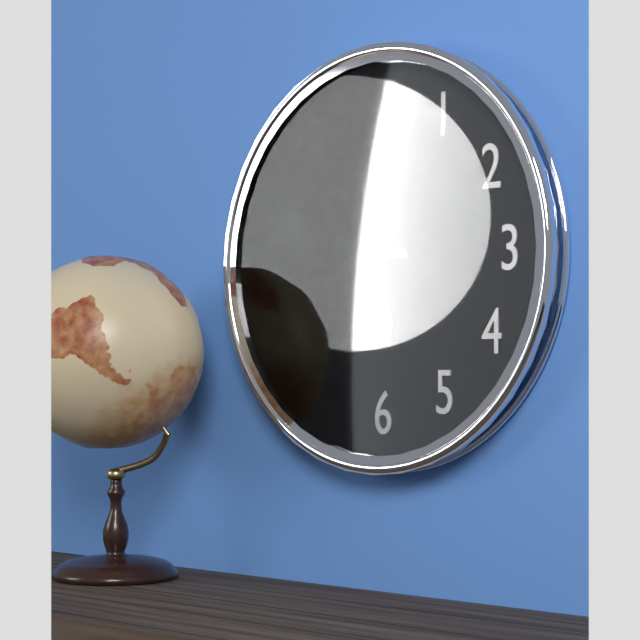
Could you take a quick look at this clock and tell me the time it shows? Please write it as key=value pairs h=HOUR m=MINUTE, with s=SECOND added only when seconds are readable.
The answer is h=5 m=44
